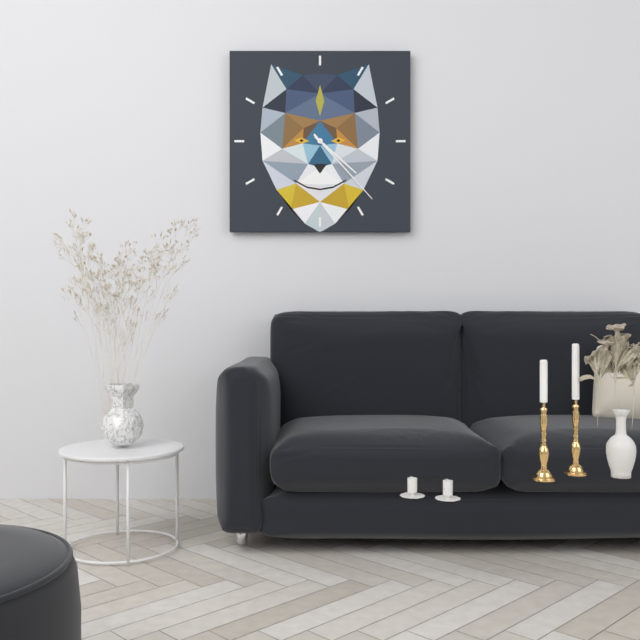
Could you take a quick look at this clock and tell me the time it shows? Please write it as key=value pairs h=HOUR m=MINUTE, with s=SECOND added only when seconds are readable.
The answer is h=4 m=23
